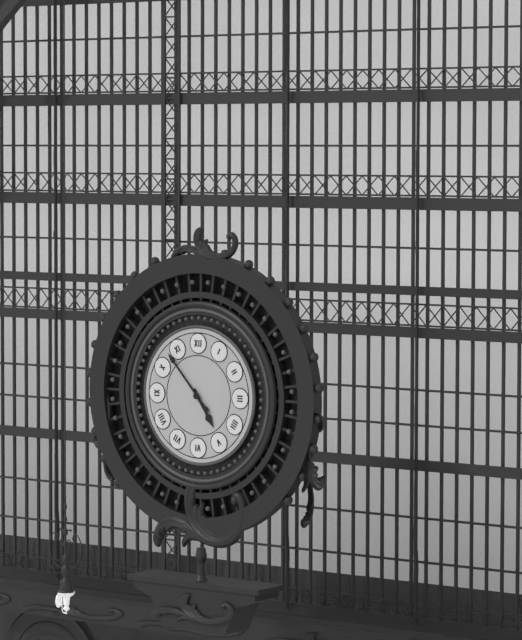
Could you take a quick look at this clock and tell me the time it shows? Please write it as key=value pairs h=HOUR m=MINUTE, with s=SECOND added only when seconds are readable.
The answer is h=4 m=53
